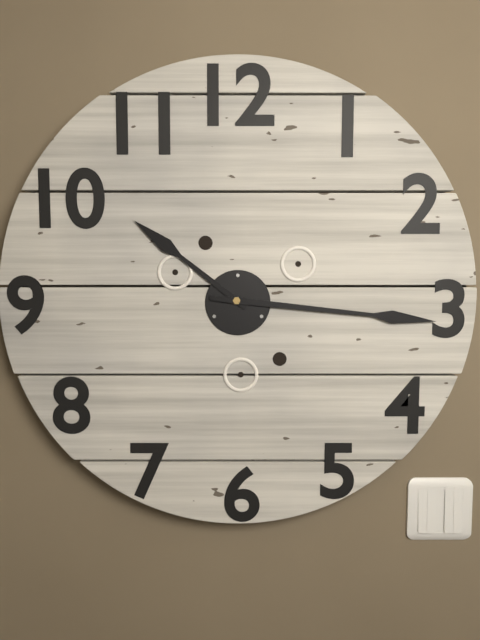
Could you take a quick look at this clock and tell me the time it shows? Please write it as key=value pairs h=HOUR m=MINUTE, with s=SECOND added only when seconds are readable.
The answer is h=10 m=16
